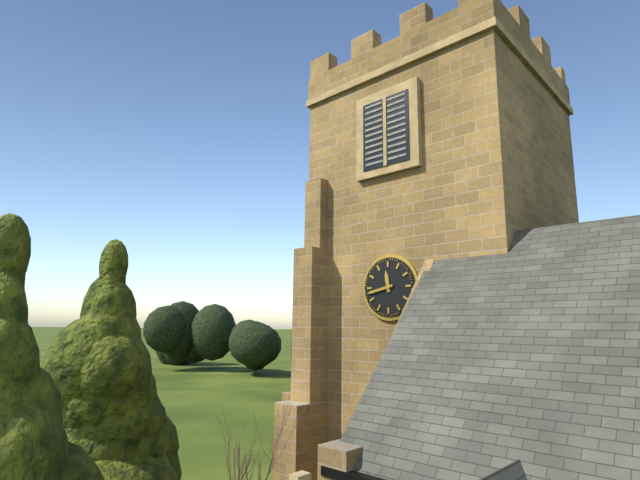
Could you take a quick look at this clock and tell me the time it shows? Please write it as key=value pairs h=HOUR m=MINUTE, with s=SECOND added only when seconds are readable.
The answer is h=11 m=43
